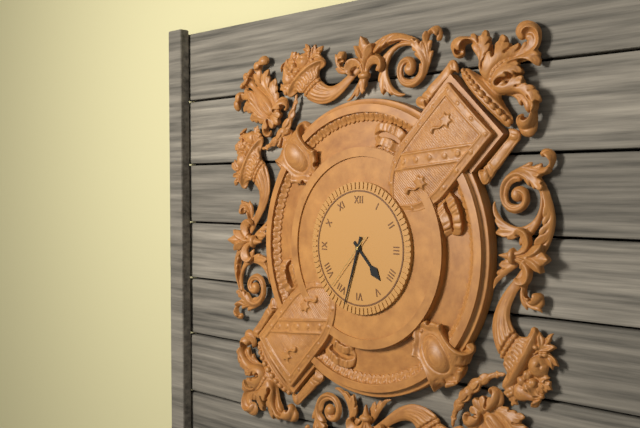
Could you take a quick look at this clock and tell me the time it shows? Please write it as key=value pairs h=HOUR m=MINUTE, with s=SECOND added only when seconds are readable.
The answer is h=4 m=33 s=37
